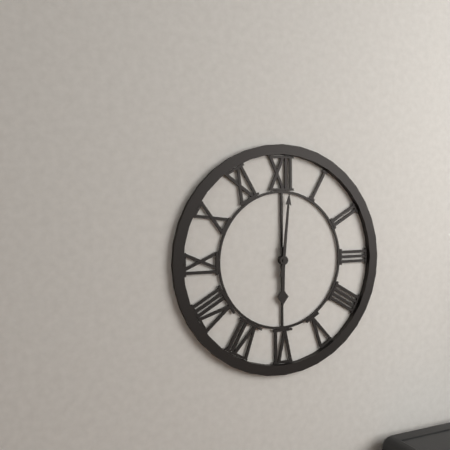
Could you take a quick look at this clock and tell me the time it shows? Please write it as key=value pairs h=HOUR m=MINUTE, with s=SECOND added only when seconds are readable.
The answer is h=6 m=1
